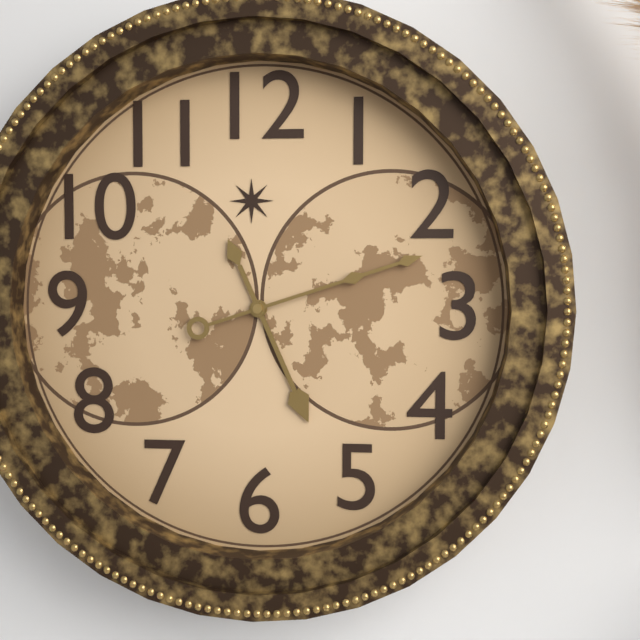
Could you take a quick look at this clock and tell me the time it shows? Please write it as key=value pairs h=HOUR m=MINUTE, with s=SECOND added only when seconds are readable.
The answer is h=5 m=12
